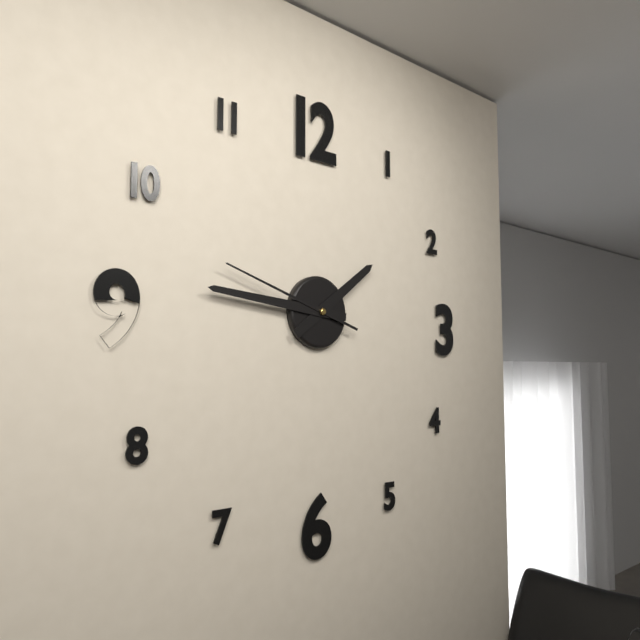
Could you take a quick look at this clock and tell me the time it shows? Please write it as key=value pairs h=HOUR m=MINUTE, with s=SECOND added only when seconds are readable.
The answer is h=1 m=46 s=48
